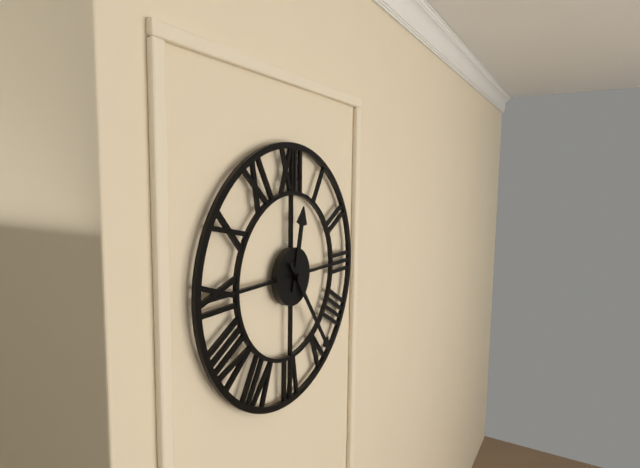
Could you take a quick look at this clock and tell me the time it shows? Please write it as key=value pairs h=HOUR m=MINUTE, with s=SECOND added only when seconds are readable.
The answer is h=12 m=24
